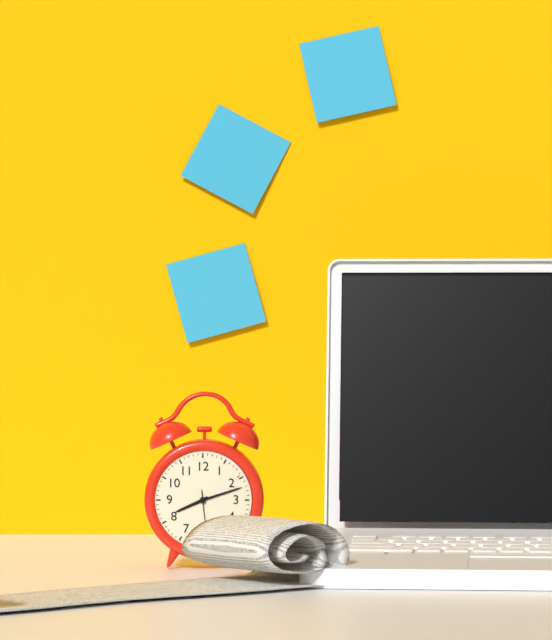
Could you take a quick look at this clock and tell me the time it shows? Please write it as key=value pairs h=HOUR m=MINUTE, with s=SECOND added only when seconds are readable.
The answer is h=8 m=12
